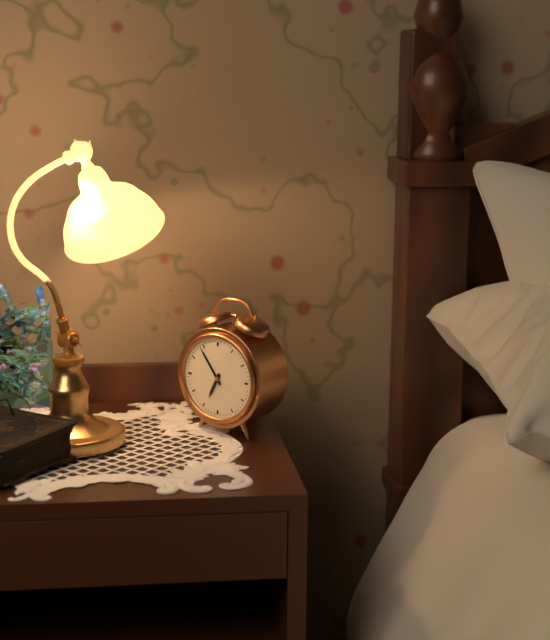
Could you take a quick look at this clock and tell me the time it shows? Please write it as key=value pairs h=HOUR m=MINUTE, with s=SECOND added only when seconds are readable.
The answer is h=6 m=54
